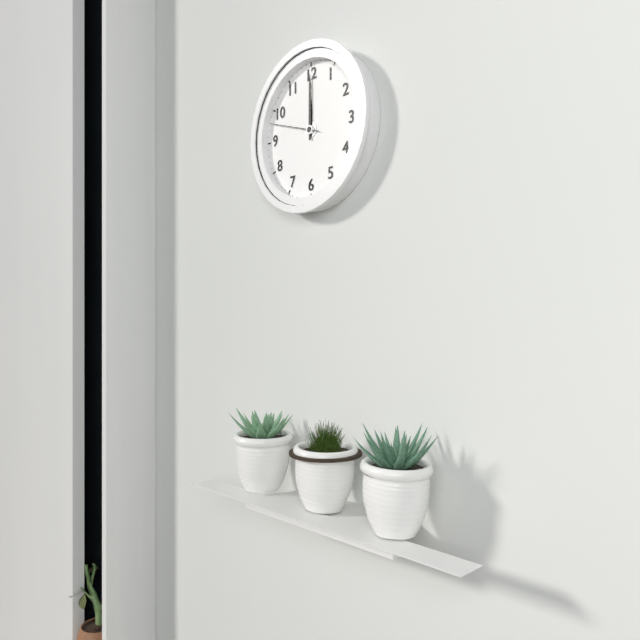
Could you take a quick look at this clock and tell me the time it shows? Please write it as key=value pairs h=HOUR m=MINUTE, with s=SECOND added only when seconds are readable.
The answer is h=12 m=0 s=48
